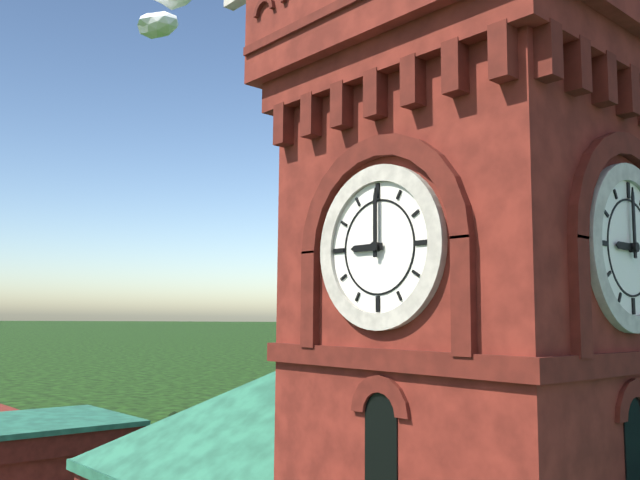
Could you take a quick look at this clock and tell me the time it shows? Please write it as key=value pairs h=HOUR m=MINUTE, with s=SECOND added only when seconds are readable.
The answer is h=9 m=0
